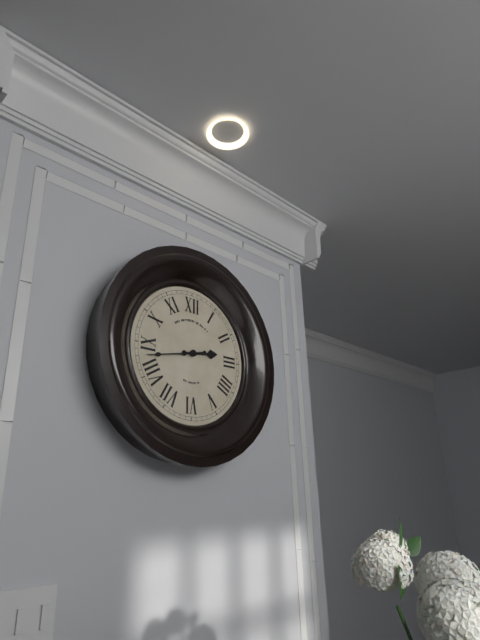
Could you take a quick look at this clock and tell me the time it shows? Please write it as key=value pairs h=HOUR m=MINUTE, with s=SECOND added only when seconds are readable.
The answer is h=2 m=43
